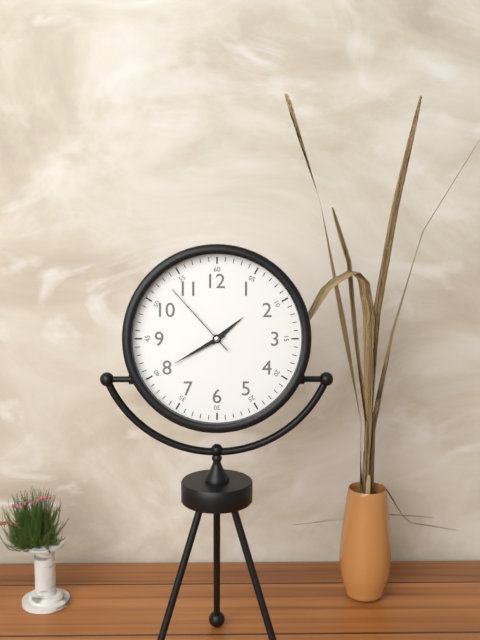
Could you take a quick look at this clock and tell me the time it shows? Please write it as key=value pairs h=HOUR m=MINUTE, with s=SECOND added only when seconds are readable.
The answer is h=1 m=40 s=53
